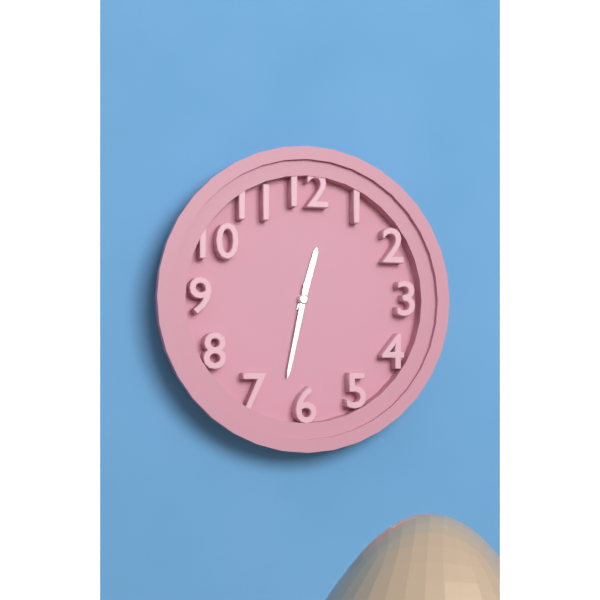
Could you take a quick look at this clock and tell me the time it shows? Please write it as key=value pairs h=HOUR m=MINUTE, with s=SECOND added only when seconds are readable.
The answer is h=12 m=32
